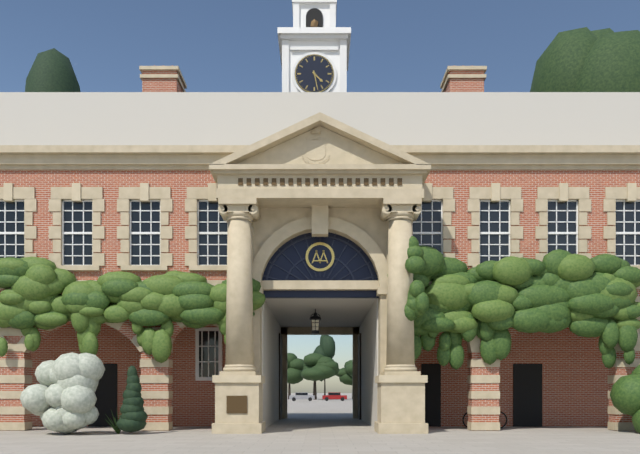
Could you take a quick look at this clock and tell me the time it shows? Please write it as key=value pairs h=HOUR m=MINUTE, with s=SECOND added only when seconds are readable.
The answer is h=4 m=28
